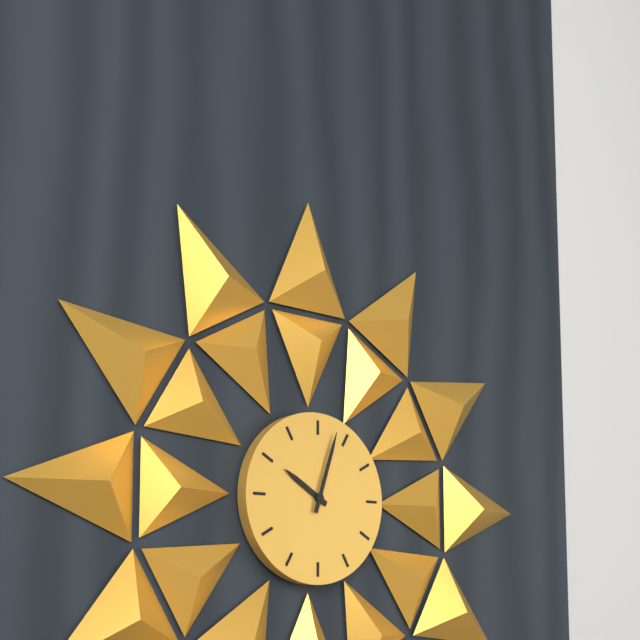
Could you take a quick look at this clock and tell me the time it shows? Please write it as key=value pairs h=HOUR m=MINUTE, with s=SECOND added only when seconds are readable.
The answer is h=10 m=3
